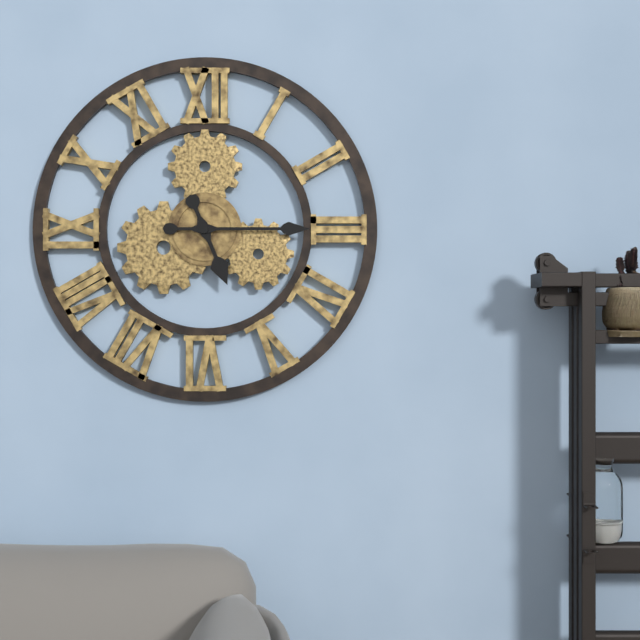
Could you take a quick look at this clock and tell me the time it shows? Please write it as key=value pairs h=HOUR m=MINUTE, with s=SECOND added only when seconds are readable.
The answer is h=5 m=15
